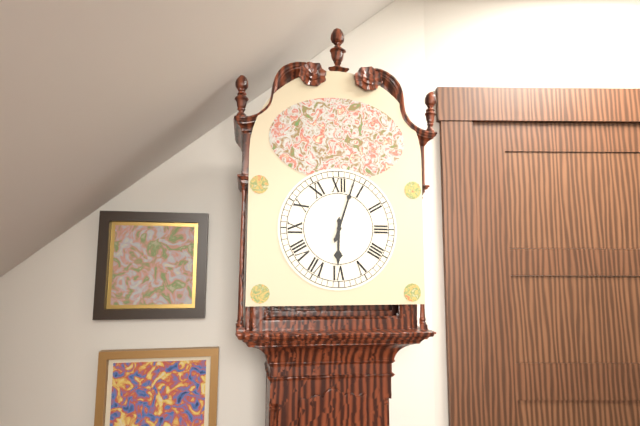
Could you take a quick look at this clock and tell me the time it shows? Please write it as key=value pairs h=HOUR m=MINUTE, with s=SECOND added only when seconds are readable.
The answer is h=6 m=3
